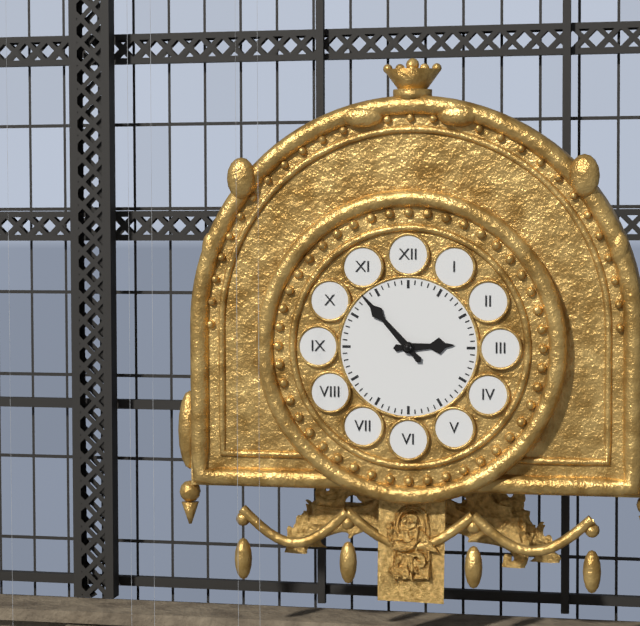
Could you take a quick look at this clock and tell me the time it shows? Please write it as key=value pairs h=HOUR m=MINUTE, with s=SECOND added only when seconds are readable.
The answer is h=2 m=53
